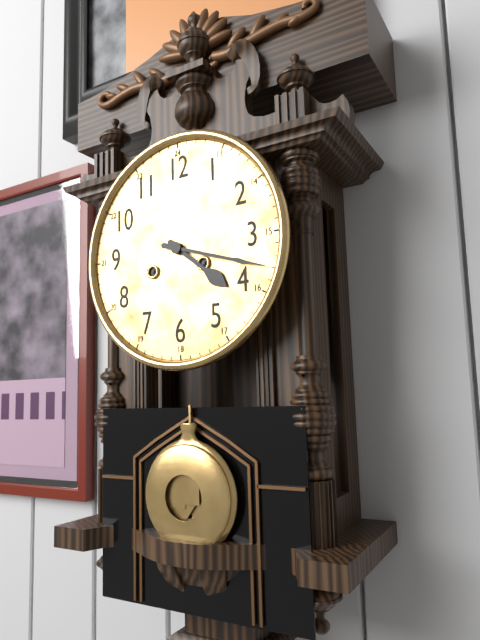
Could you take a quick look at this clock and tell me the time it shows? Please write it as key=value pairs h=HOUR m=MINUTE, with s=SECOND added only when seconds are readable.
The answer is h=4 m=18
